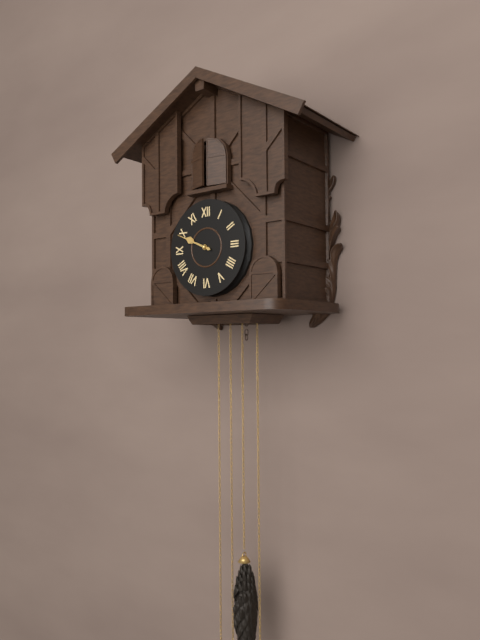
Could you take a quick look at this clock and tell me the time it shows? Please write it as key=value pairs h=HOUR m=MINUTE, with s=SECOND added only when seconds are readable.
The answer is h=9 m=49
